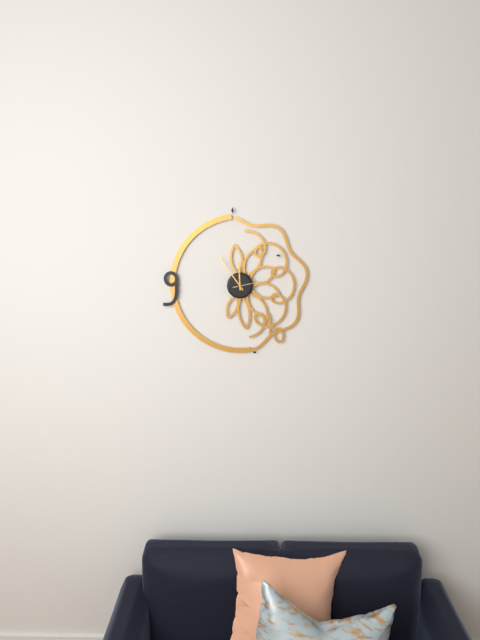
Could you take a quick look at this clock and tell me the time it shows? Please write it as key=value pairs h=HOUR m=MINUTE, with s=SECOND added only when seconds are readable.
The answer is h=11 m=54
